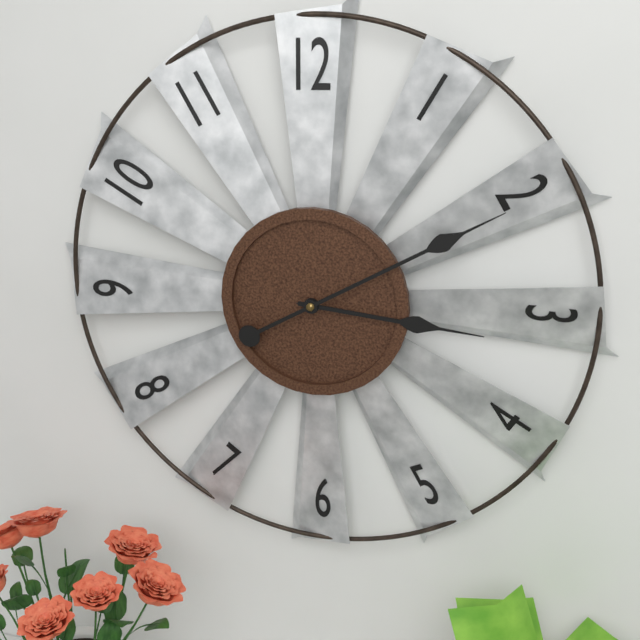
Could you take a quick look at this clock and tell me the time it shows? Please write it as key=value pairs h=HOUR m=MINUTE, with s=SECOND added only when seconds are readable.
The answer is h=3 m=10
